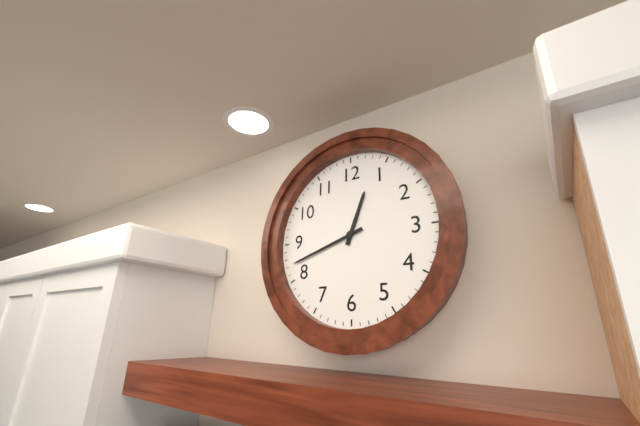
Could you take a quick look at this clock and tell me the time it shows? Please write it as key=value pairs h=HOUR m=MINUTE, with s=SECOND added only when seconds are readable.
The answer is h=12 m=42
